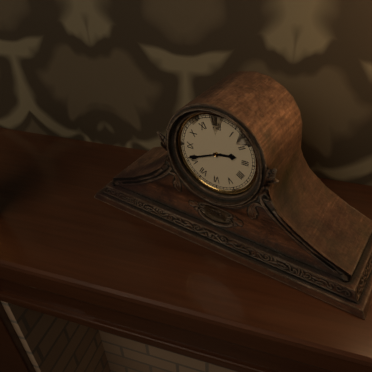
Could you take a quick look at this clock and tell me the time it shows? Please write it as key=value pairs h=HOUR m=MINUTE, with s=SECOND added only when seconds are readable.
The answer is h=2 m=41
